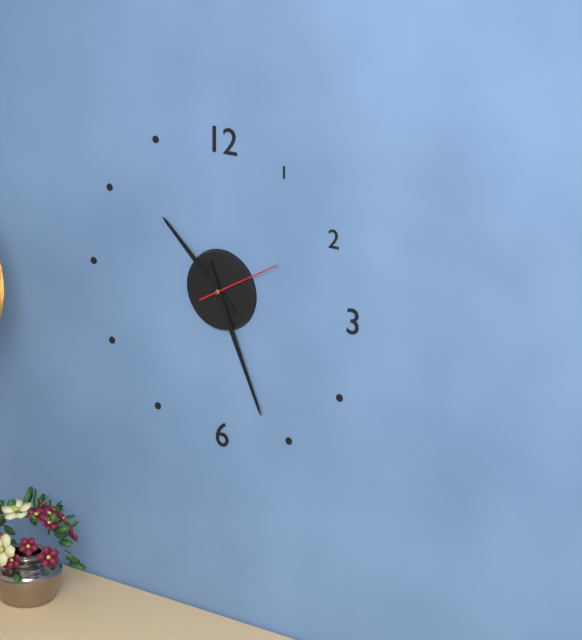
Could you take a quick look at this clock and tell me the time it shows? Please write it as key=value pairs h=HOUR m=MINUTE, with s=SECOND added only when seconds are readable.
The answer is h=10 m=26 s=10
